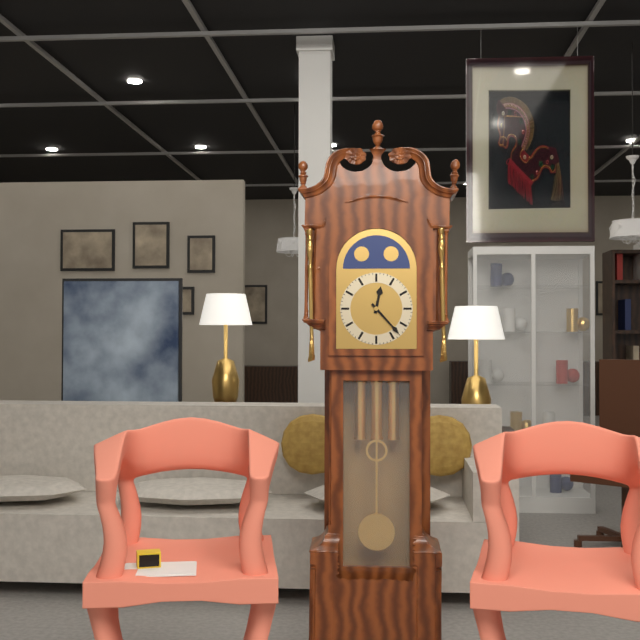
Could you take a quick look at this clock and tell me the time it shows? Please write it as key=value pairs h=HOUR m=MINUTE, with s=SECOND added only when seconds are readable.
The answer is h=12 m=23
